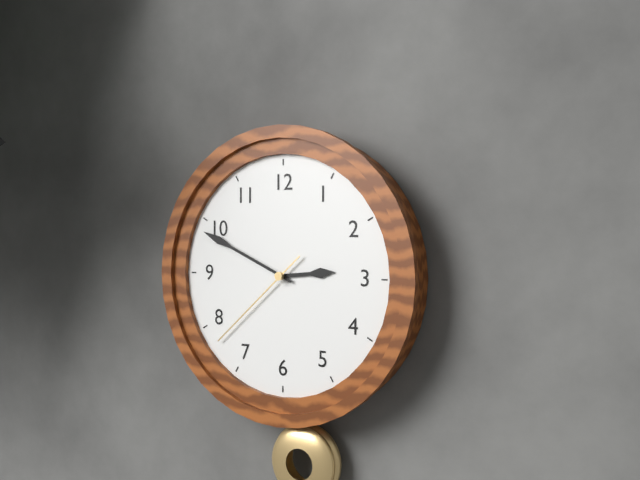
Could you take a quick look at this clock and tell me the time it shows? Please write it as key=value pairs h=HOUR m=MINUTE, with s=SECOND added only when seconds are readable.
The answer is h=2 m=49 s=38
